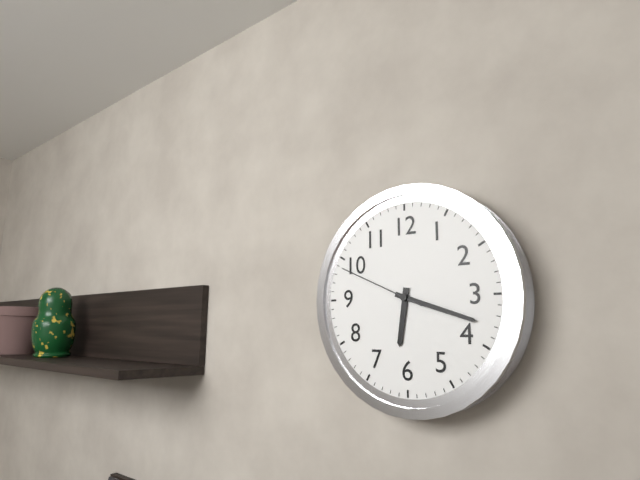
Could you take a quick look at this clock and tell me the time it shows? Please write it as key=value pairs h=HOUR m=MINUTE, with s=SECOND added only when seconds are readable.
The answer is h=6 m=18 s=49
